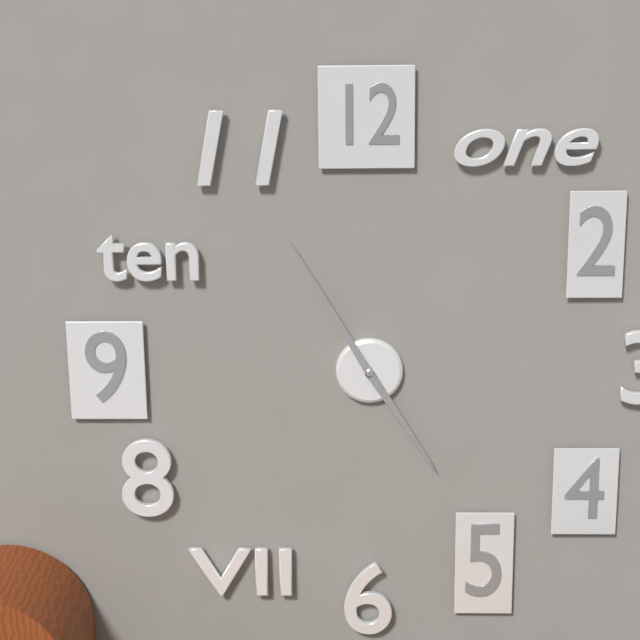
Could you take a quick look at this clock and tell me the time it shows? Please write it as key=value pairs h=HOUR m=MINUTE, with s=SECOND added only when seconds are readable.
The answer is h=4 m=55
